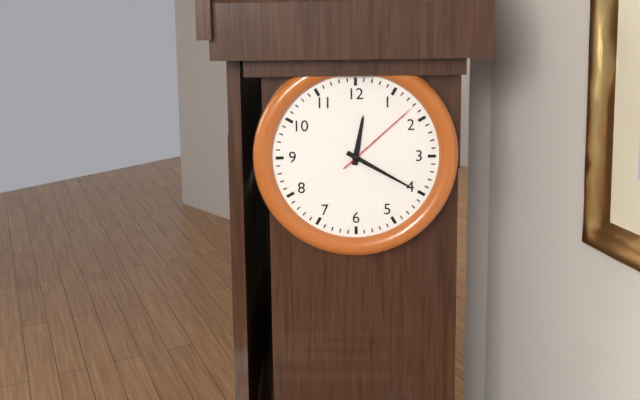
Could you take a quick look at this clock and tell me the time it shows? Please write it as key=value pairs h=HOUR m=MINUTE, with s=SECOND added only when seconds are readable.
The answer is h=12 m=20 s=8
